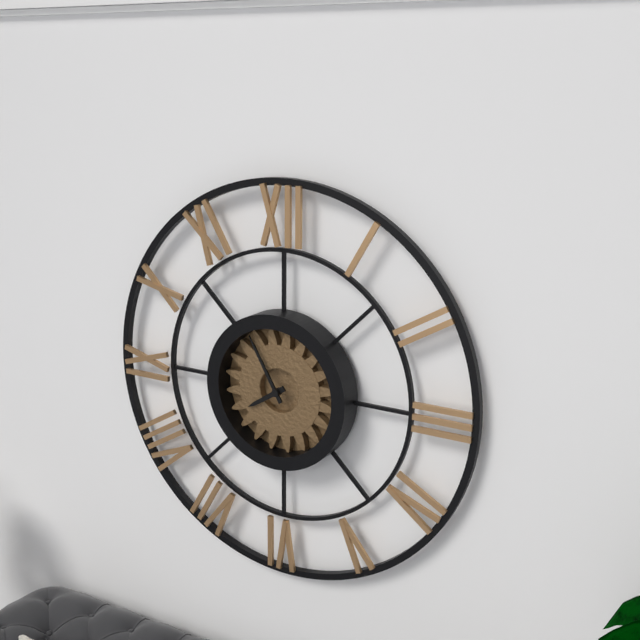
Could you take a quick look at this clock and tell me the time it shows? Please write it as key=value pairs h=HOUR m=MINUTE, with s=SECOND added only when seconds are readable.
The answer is h=7 m=55
